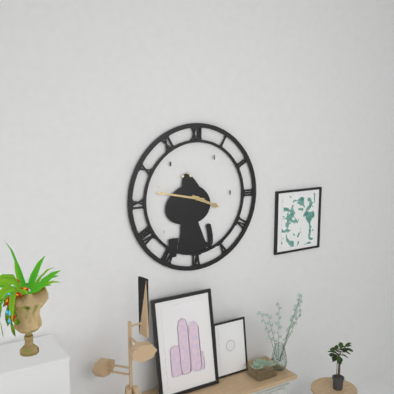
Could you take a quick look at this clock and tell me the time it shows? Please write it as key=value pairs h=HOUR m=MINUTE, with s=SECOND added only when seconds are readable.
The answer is h=3 m=47
